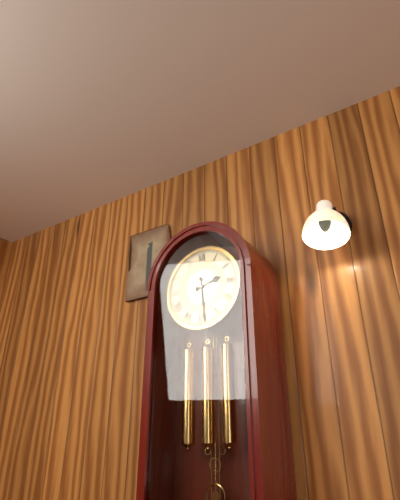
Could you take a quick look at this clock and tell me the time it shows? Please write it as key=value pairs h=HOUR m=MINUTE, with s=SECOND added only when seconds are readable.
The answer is h=2 m=29
